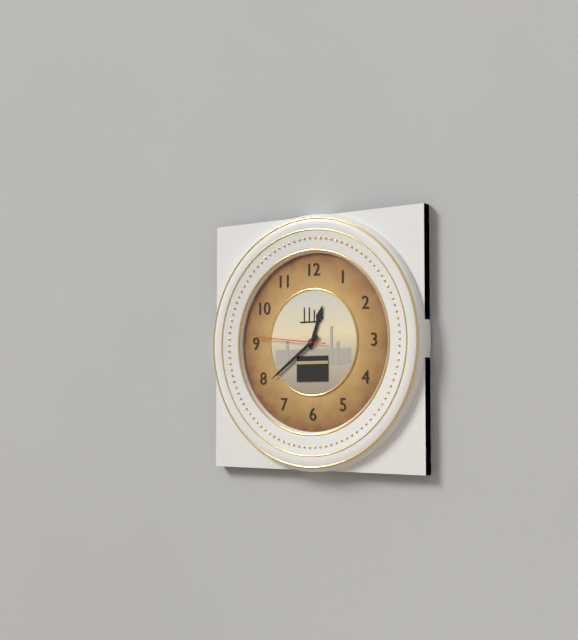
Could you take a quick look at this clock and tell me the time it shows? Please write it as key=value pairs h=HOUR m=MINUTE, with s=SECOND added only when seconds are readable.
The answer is h=12 m=39 s=46
